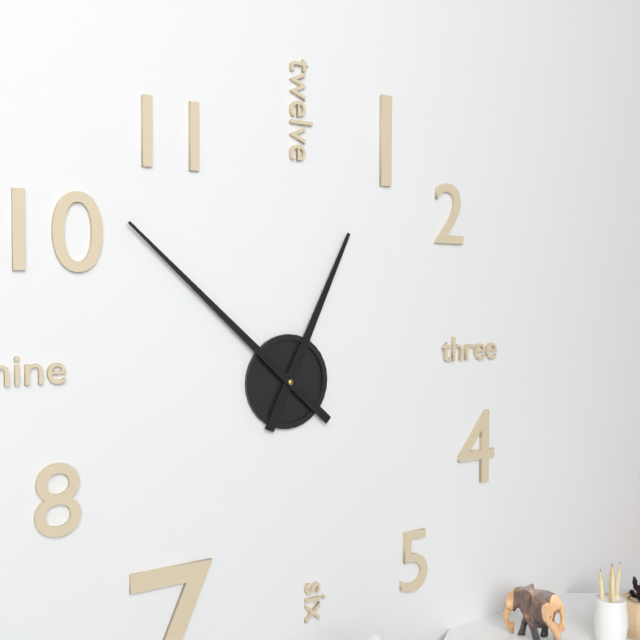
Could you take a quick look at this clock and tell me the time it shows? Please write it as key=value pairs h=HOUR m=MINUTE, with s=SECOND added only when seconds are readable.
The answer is h=12 m=52
